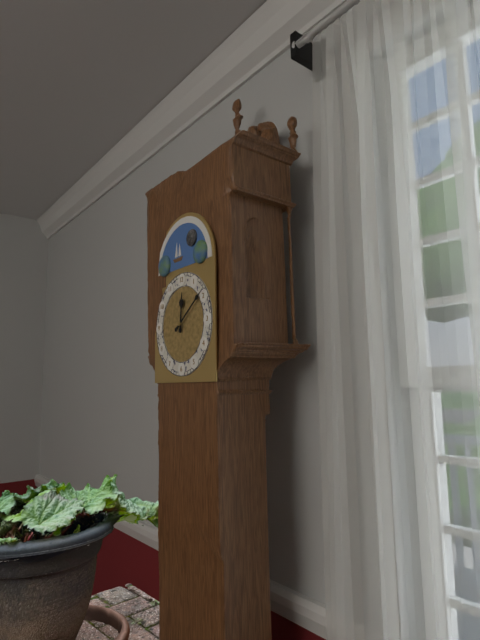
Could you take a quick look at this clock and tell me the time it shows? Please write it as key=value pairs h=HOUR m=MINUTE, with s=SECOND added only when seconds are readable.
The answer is h=12 m=9
